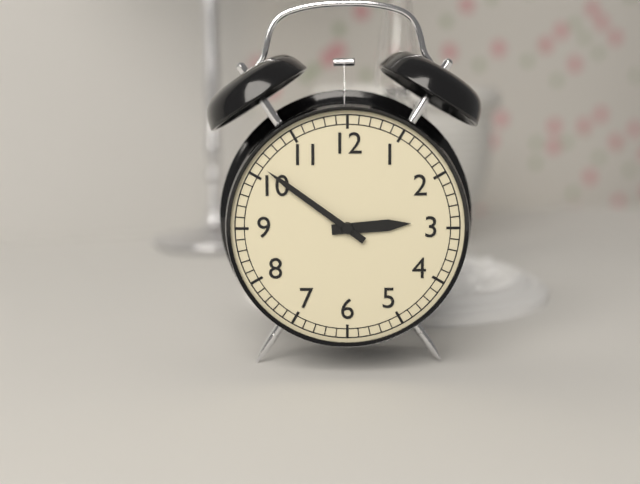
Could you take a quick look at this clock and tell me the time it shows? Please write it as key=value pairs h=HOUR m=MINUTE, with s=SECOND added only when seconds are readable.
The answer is h=2 m=51
